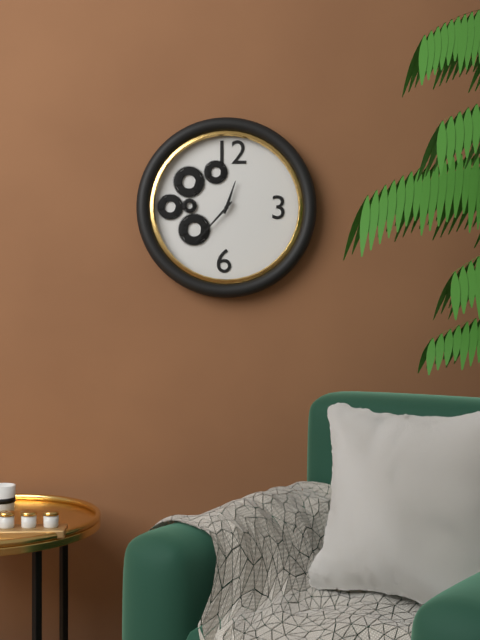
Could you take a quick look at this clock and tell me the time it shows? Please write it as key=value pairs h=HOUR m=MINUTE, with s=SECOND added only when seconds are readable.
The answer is h=12 m=37
